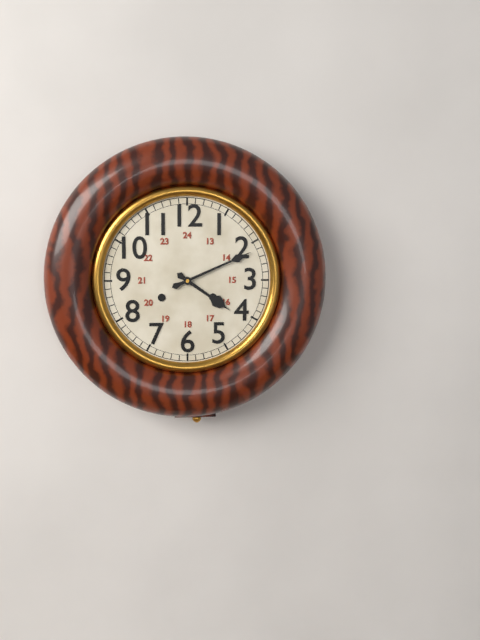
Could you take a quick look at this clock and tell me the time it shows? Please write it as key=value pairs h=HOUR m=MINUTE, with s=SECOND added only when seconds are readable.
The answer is h=4 m=11
